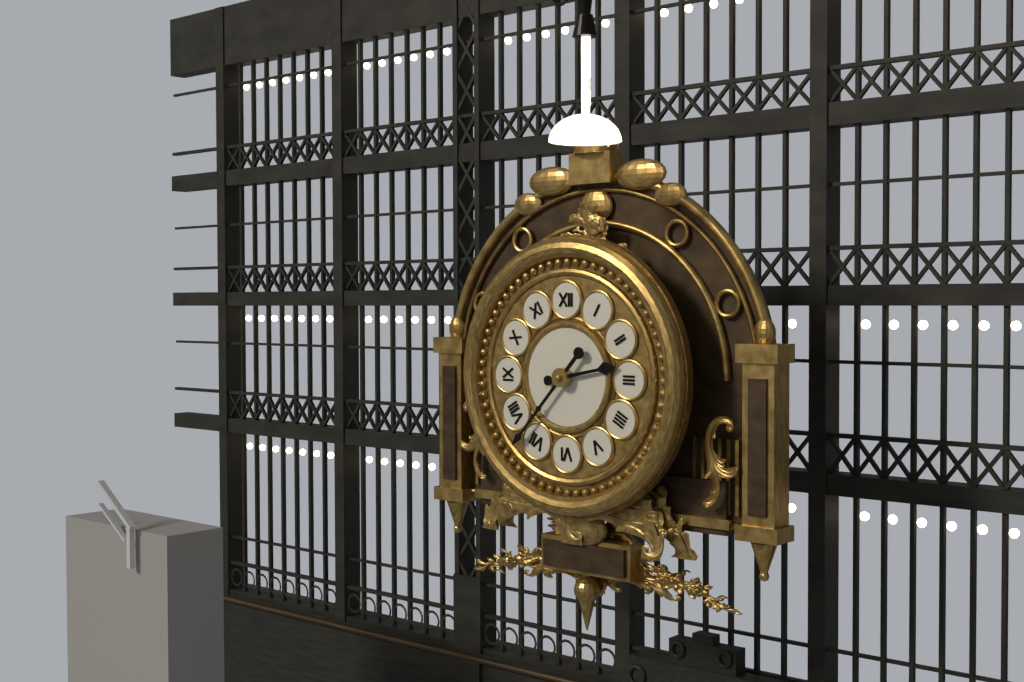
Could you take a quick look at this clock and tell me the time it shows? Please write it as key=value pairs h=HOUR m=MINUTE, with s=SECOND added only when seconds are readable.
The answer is h=2 m=37
